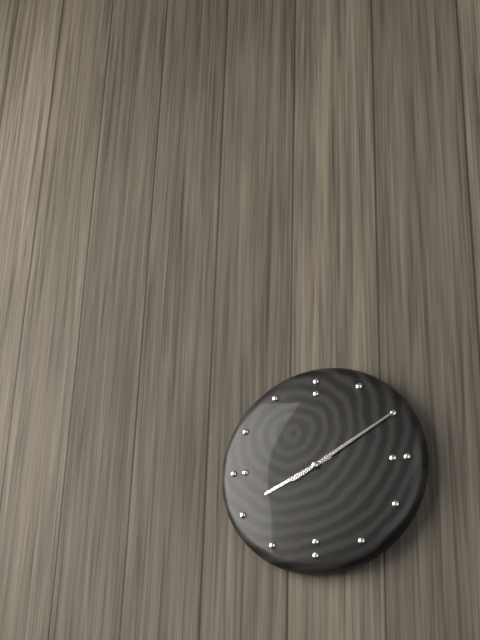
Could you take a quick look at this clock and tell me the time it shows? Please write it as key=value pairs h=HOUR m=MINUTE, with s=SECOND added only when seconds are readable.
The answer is h=8 m=10
